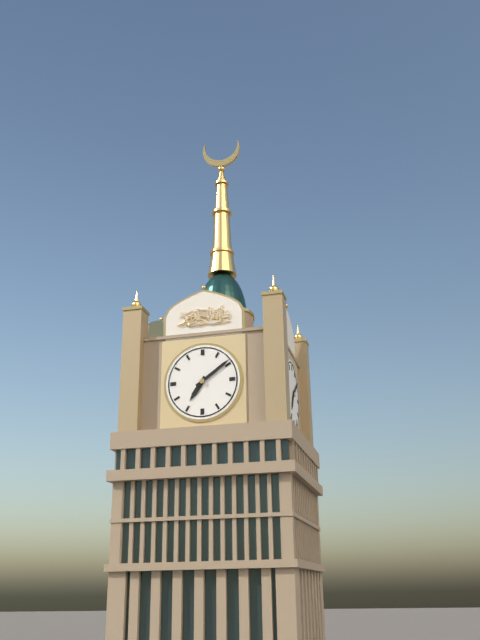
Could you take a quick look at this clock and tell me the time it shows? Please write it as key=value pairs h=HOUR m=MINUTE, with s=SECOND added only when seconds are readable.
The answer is h=7 m=9
